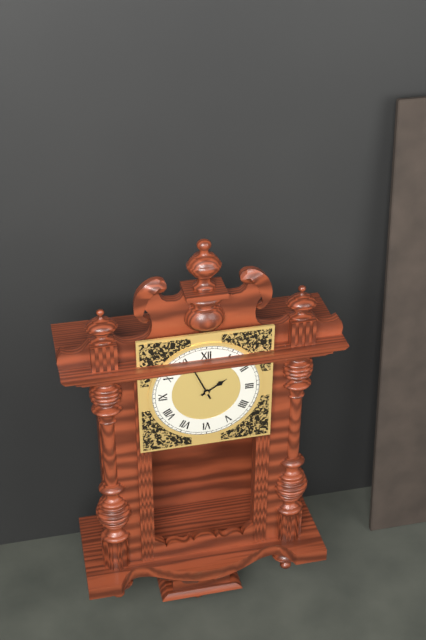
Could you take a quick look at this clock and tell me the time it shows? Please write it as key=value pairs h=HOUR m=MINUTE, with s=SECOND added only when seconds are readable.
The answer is h=1 m=56
